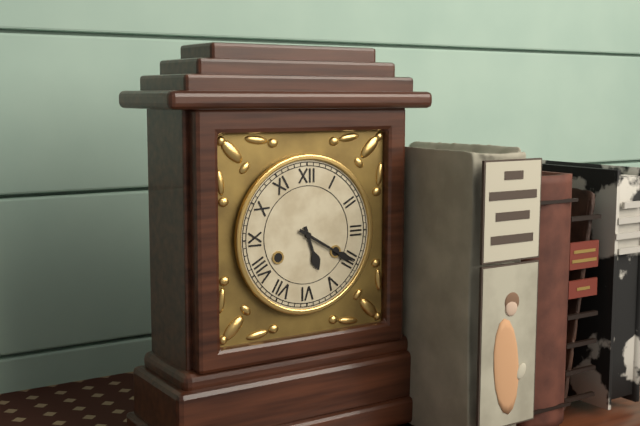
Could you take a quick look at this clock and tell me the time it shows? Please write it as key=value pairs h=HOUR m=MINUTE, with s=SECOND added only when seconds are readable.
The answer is h=5 m=20
